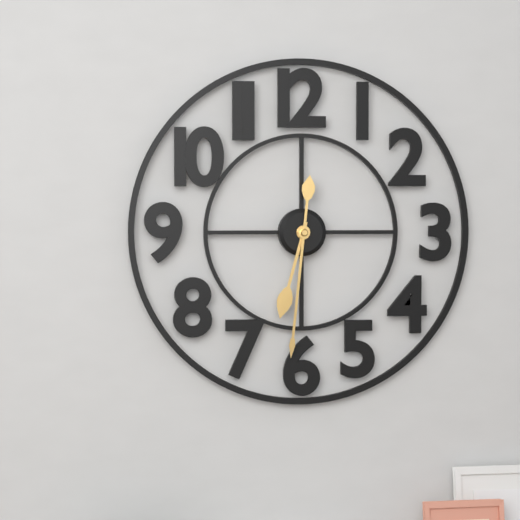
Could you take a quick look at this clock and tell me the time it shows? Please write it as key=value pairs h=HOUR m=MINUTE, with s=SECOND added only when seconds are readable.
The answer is h=6 m=31
